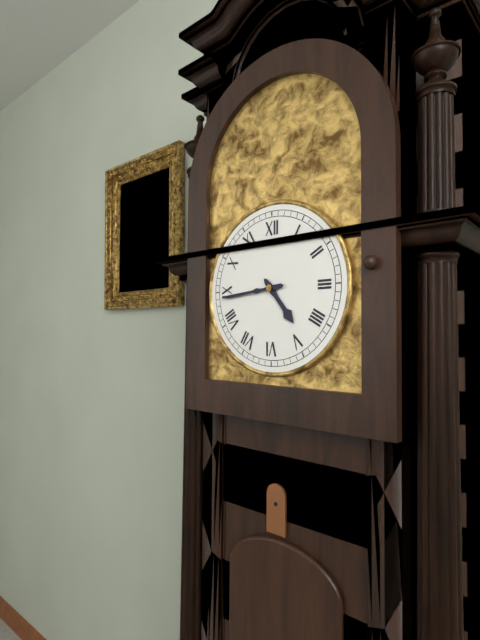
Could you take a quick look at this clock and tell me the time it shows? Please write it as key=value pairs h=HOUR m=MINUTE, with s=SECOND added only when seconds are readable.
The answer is h=4 m=44
